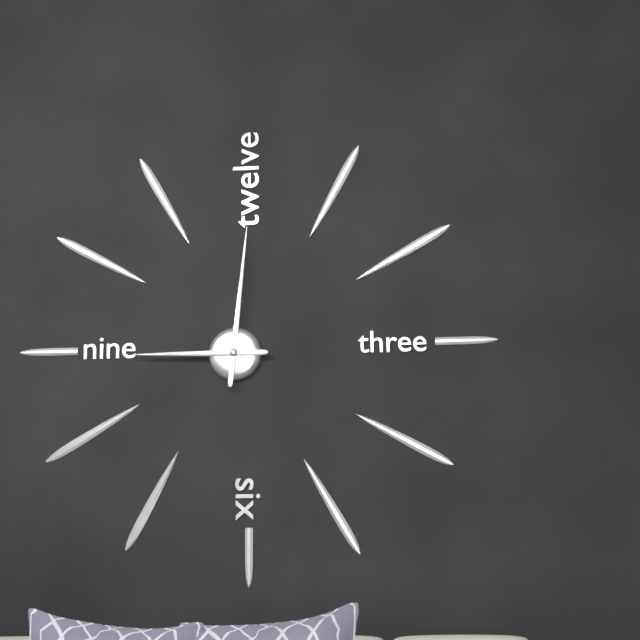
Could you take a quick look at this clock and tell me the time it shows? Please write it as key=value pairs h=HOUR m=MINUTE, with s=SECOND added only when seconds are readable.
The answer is h=9 m=1
